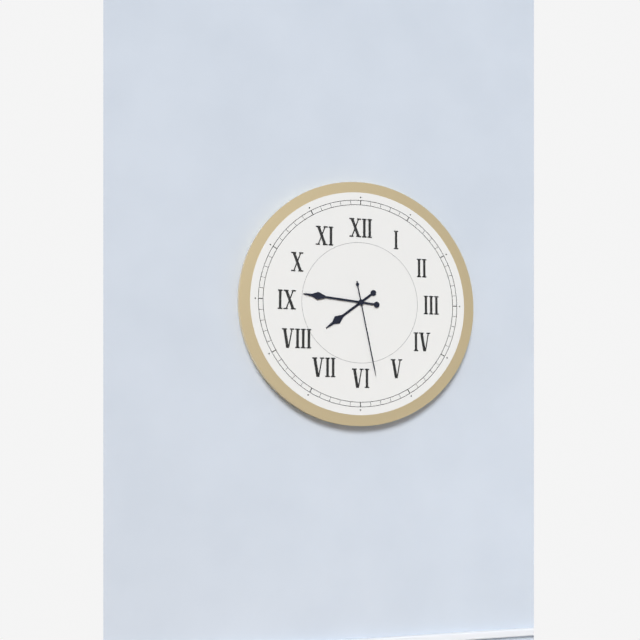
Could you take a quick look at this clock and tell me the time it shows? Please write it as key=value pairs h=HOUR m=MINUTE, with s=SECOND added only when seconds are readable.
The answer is h=7 m=46 s=28
